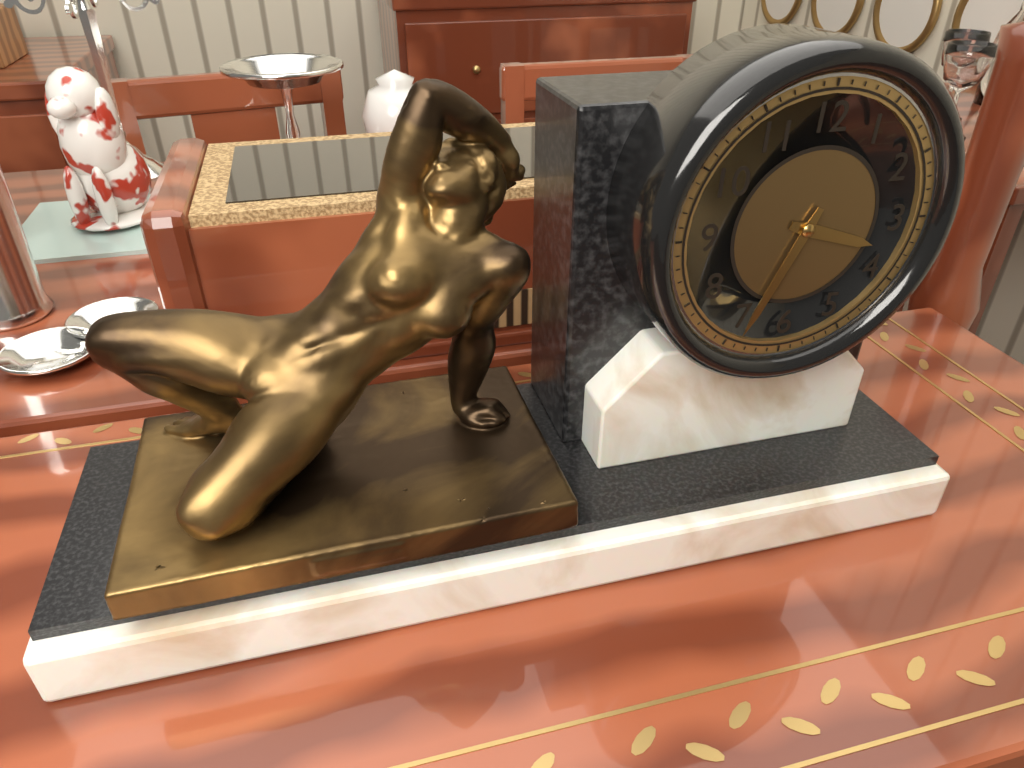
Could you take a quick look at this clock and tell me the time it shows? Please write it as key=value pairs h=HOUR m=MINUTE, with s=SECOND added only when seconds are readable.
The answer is h=3 m=34
